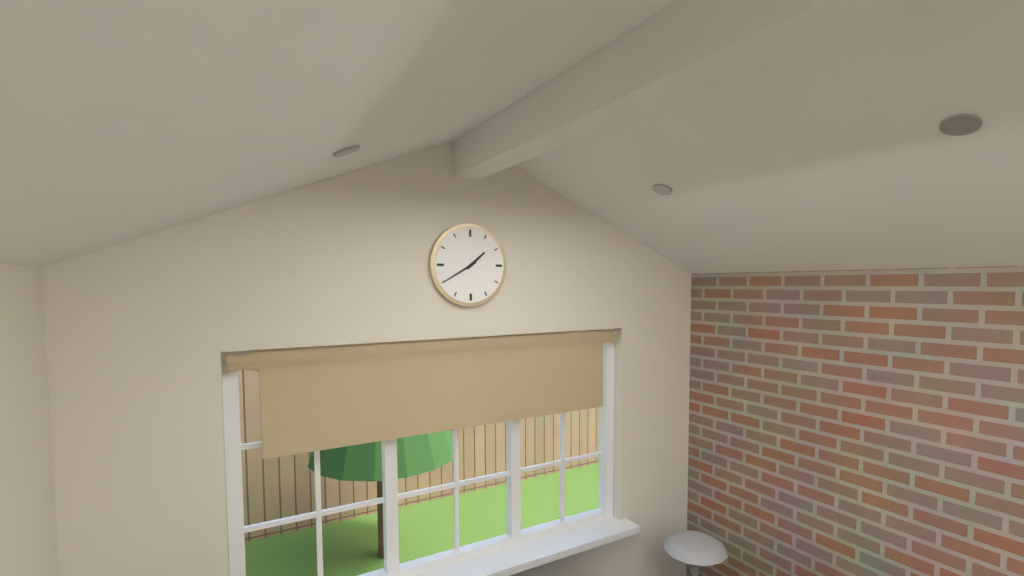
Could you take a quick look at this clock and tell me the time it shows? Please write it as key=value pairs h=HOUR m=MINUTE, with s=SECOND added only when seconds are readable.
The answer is h=1 m=40
